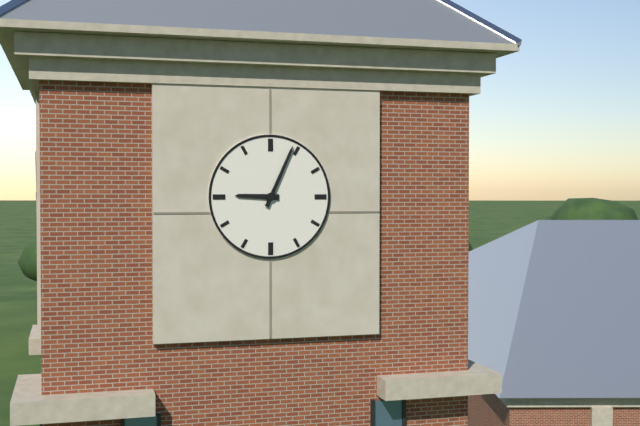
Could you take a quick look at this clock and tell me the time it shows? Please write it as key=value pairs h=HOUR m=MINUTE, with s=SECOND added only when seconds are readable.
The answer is h=9 m=4
